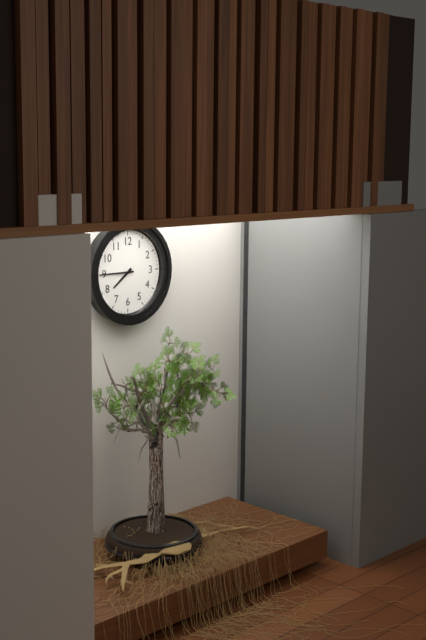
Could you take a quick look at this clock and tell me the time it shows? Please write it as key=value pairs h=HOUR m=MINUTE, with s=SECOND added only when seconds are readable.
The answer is h=7 m=45
